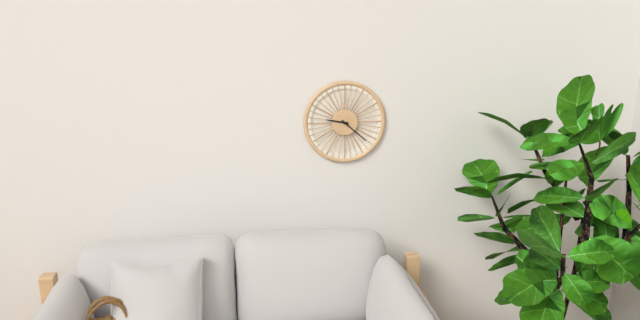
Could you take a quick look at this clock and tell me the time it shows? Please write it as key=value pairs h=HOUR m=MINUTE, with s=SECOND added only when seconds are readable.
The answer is h=9 m=22
